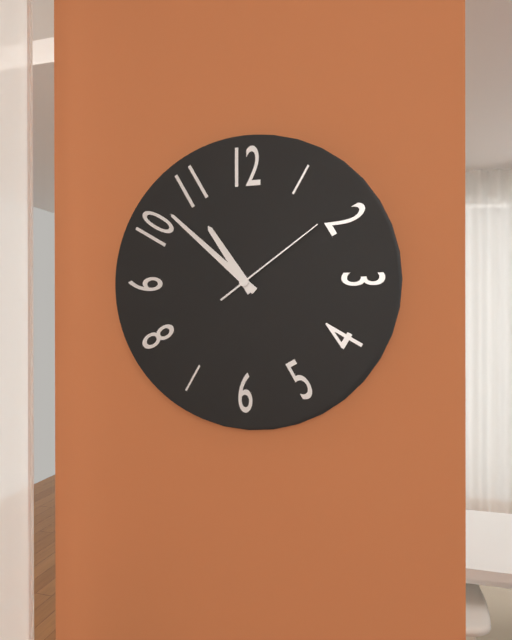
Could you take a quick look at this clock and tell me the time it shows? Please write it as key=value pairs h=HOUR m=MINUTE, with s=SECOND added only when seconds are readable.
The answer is h=10 m=52 s=9
